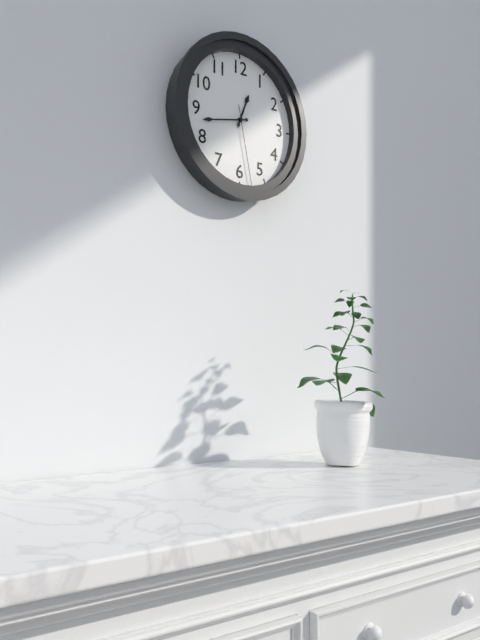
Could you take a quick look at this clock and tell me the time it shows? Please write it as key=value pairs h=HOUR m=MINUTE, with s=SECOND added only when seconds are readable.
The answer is h=12 m=43 s=28
